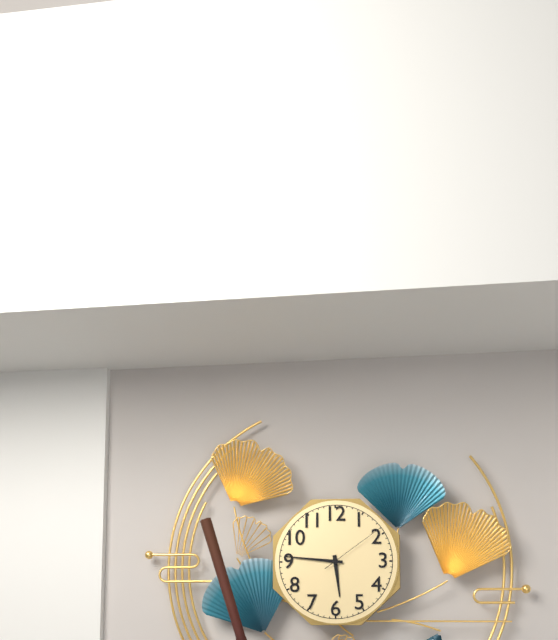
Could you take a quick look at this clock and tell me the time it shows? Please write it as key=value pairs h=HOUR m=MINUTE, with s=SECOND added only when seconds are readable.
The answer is h=5 m=46 s=9
